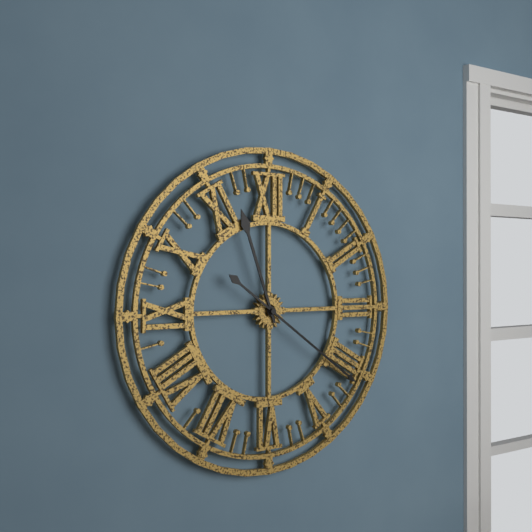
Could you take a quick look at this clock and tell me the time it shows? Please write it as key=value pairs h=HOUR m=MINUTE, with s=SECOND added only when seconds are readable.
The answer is h=11 m=21
